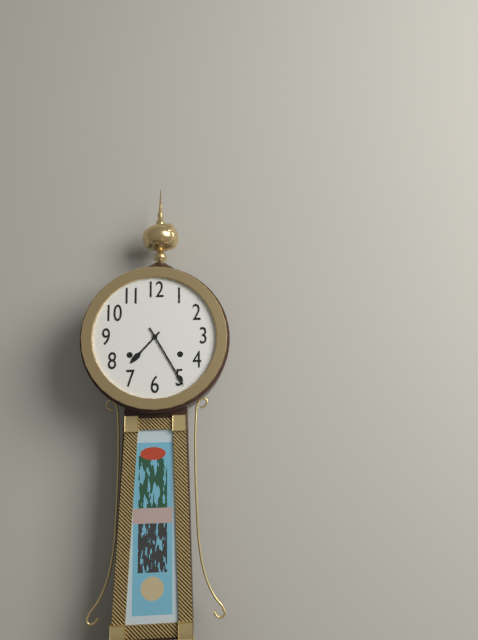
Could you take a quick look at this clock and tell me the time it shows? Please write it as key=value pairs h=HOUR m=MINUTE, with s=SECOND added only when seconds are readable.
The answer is h=7 m=25
